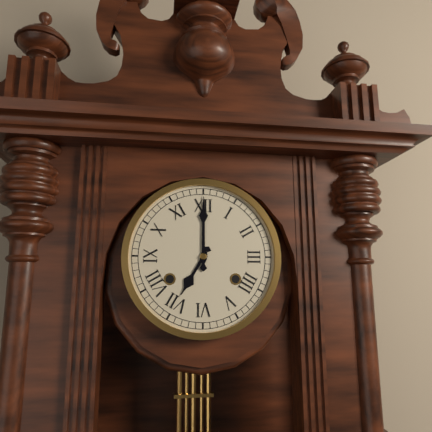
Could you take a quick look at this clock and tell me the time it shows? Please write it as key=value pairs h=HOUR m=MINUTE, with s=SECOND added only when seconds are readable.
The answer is h=7 m=0
